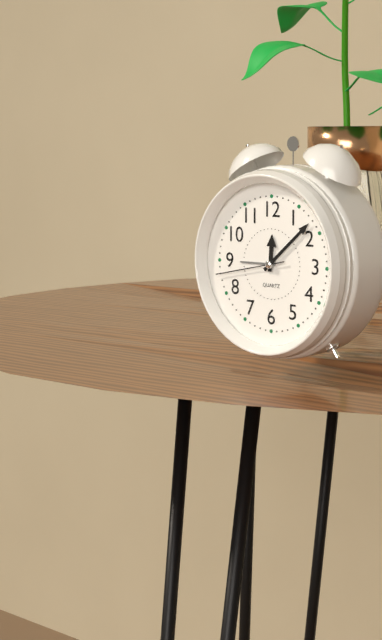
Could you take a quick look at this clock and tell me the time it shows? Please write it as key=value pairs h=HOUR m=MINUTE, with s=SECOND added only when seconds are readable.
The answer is h=12 m=8 s=43
